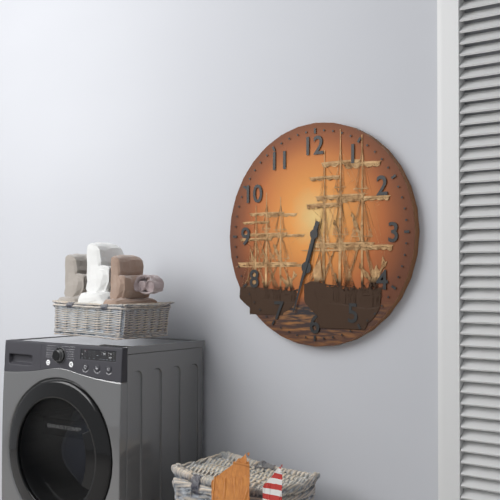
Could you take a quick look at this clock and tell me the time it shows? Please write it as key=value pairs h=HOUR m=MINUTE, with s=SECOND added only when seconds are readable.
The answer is h=6 m=33
